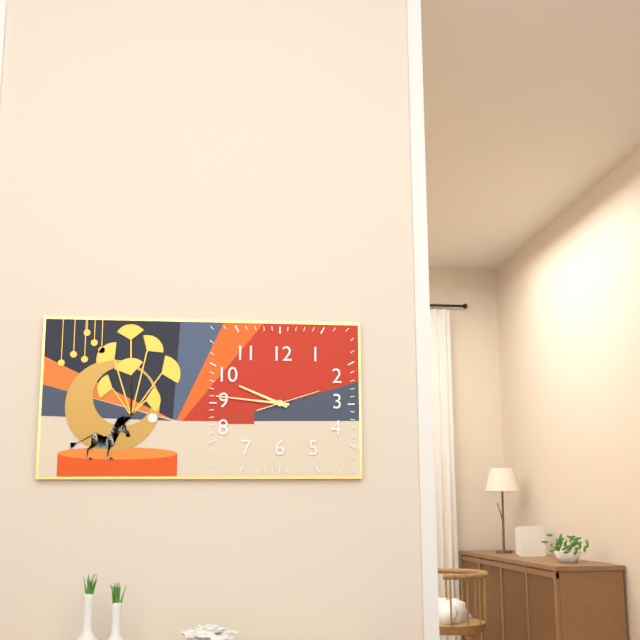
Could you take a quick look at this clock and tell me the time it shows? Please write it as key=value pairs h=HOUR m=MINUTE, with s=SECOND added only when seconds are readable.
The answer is h=9 m=46 s=12
